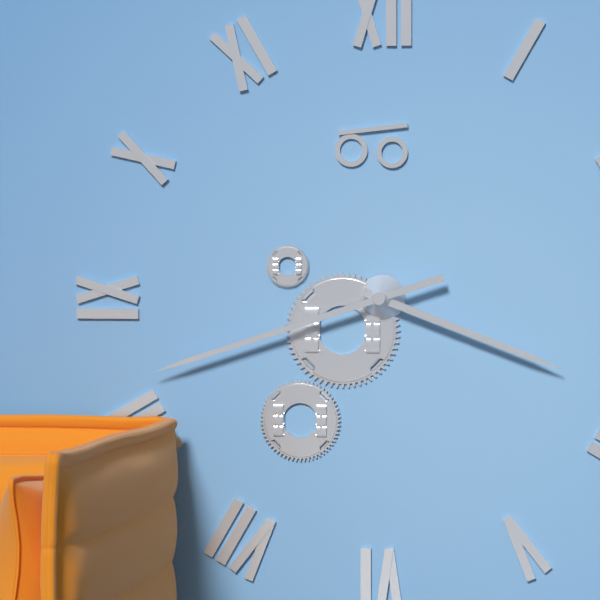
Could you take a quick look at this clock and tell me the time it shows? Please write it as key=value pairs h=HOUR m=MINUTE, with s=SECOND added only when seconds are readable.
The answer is h=3 m=42
